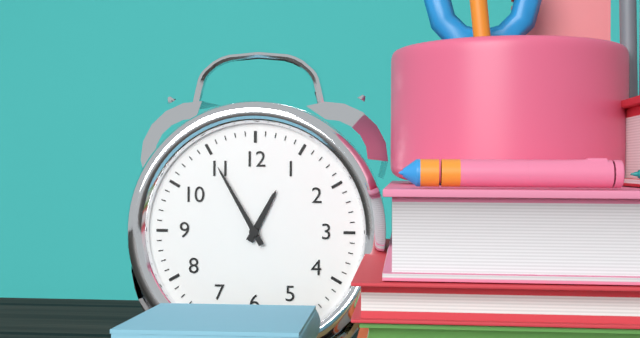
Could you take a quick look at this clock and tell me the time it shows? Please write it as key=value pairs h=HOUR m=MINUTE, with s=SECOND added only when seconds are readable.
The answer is h=12 m=55
